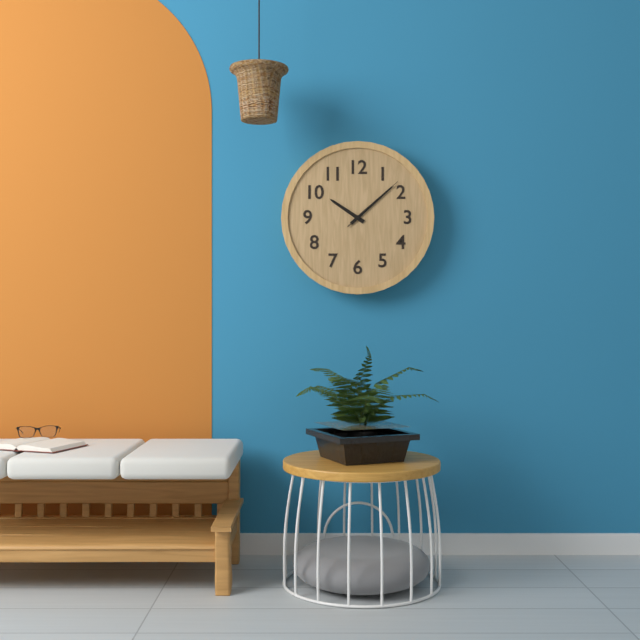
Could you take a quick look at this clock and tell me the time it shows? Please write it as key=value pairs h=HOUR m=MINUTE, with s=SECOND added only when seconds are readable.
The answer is h=10 m=8 s=8
